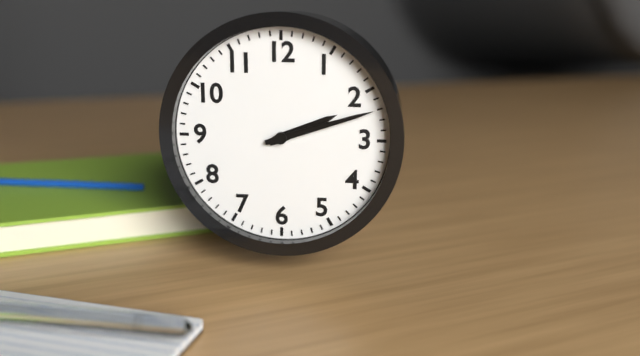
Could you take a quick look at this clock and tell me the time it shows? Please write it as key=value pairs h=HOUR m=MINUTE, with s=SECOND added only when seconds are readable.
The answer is h=2 m=12
